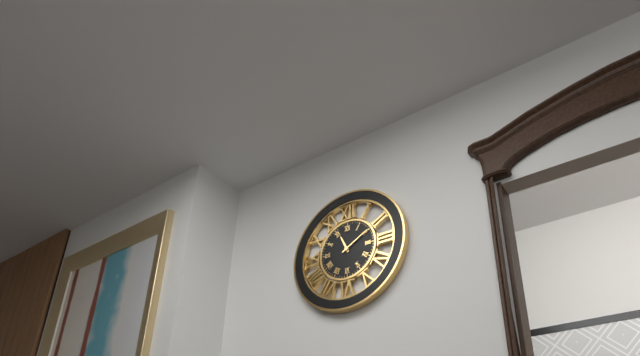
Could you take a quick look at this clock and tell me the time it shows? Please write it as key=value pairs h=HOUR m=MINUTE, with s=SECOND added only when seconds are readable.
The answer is h=11 m=10
